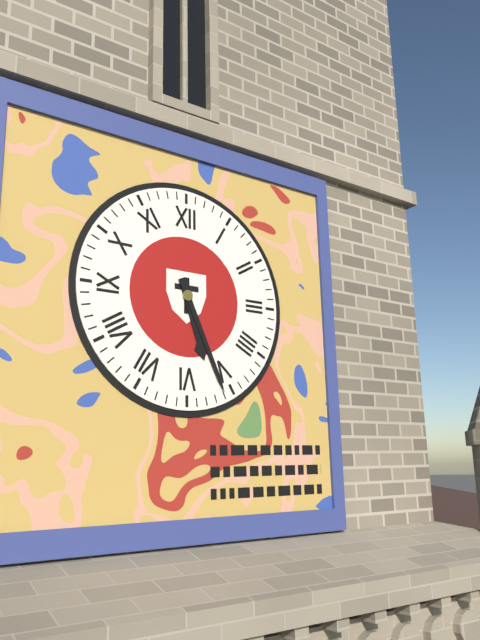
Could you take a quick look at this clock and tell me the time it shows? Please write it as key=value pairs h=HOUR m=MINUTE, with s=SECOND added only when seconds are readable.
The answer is h=5 m=26
